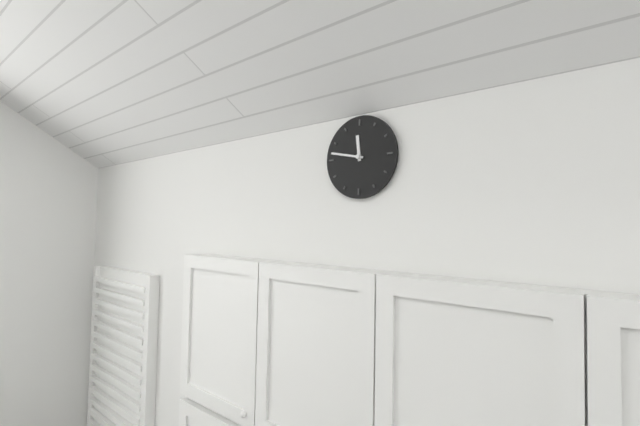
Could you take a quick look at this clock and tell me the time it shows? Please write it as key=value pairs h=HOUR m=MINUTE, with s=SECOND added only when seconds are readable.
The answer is h=11 m=47
